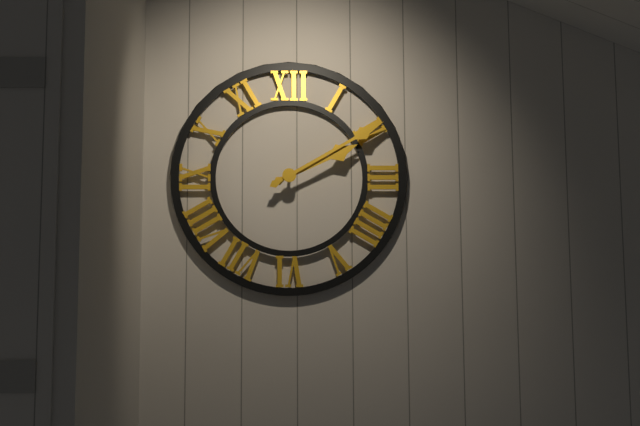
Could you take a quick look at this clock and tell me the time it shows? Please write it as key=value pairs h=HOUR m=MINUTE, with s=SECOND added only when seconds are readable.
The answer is h=2 m=10
